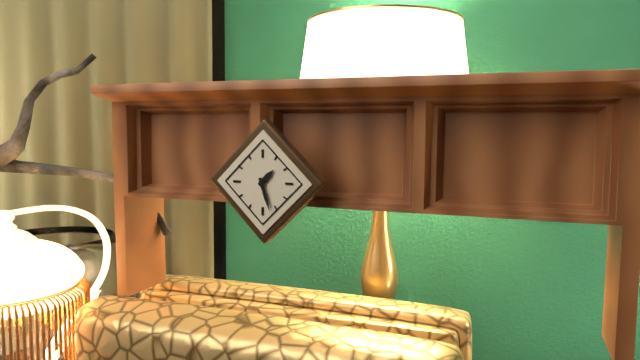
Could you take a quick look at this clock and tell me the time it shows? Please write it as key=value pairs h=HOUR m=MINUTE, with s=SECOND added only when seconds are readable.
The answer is h=1 m=27
